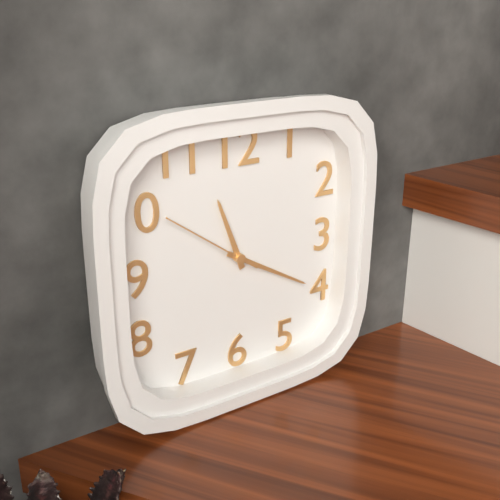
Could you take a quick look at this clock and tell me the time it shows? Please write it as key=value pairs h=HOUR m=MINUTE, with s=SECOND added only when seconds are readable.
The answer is h=11 m=20 s=51
